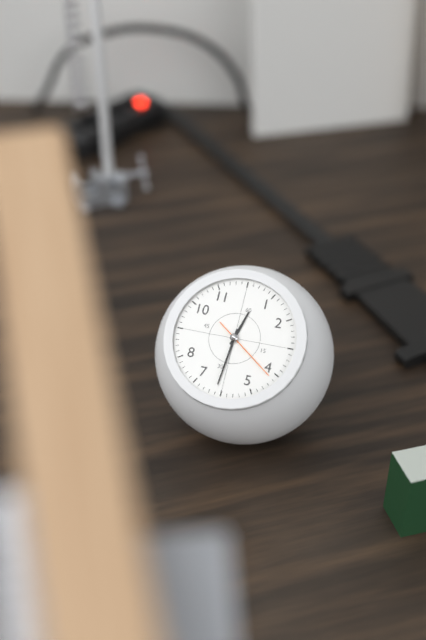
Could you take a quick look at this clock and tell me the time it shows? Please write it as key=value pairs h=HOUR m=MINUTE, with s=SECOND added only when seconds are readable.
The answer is h=12 m=31 s=21
